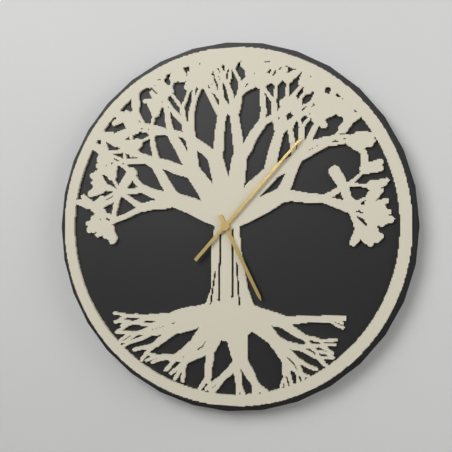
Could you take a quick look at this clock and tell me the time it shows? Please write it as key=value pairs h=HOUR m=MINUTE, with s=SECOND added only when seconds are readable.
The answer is h=5 m=7
